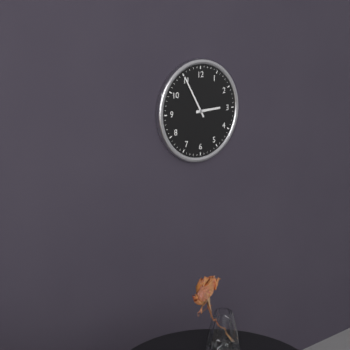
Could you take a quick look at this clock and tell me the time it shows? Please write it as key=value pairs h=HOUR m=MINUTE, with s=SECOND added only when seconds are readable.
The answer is h=2 m=55
